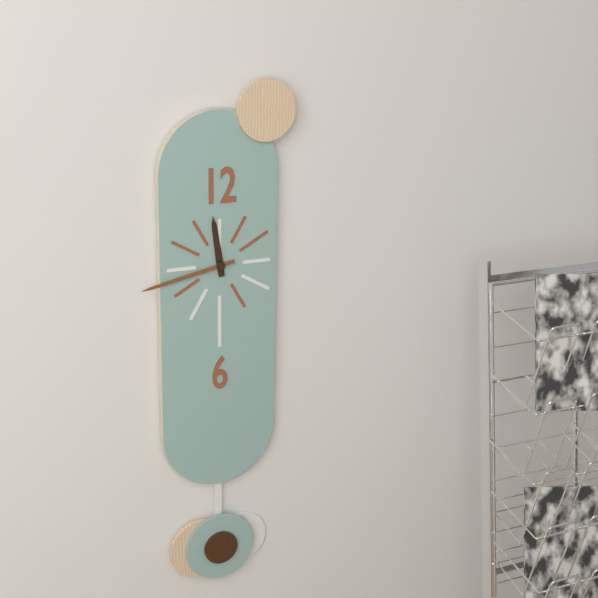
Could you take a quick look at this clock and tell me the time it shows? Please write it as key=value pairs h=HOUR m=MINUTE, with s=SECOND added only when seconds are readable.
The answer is h=11 m=43
